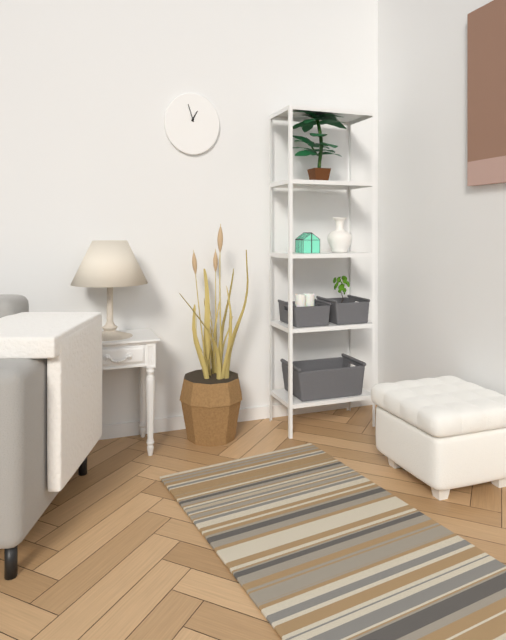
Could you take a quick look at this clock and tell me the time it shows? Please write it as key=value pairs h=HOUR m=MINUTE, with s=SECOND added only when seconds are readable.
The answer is h=12 m=57
